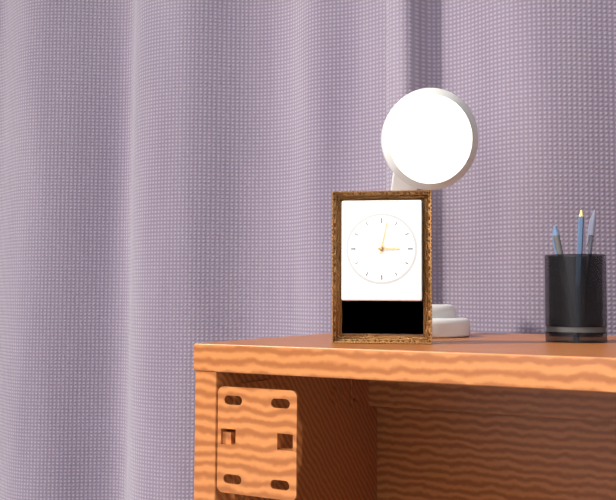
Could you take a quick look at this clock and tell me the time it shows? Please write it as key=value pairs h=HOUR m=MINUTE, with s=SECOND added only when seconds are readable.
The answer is h=3 m=2
